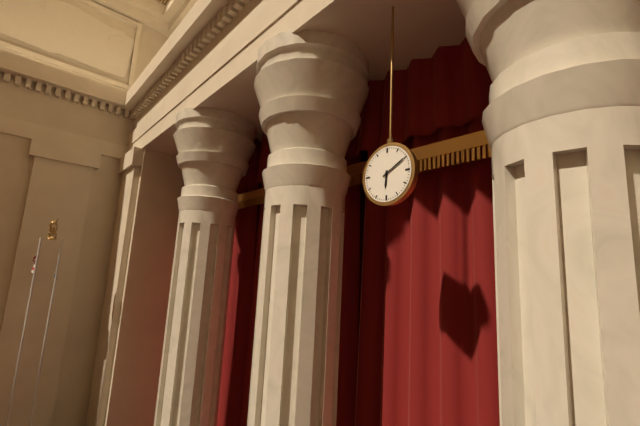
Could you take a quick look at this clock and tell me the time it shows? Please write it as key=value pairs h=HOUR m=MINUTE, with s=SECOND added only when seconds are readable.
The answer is h=6 m=10
